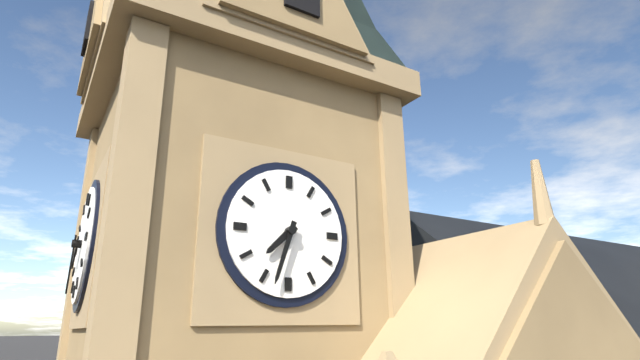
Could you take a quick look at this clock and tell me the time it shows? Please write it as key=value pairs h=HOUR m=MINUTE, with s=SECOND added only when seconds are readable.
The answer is h=7 m=33
